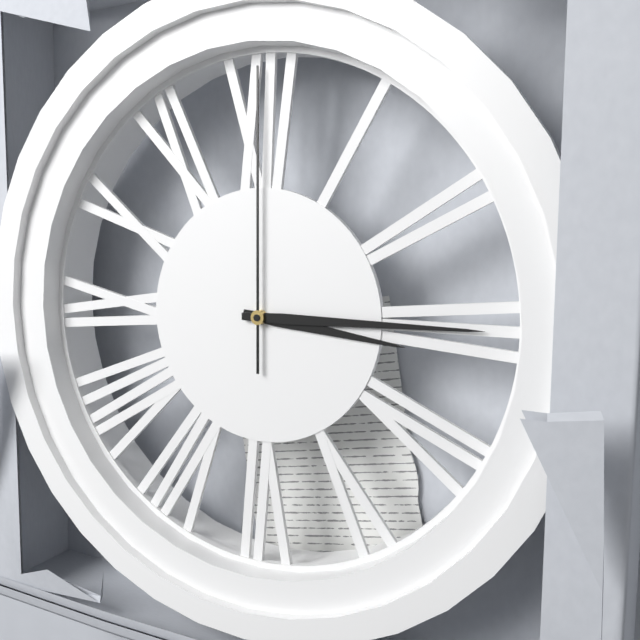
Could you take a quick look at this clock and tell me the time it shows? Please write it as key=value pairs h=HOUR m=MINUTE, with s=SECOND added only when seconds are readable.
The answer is h=3 m=15 s=0
